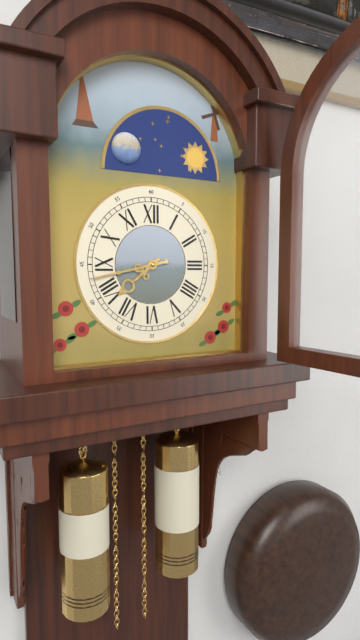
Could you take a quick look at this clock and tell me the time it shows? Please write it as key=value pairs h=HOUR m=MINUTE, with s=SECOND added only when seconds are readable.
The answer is h=7 m=43
